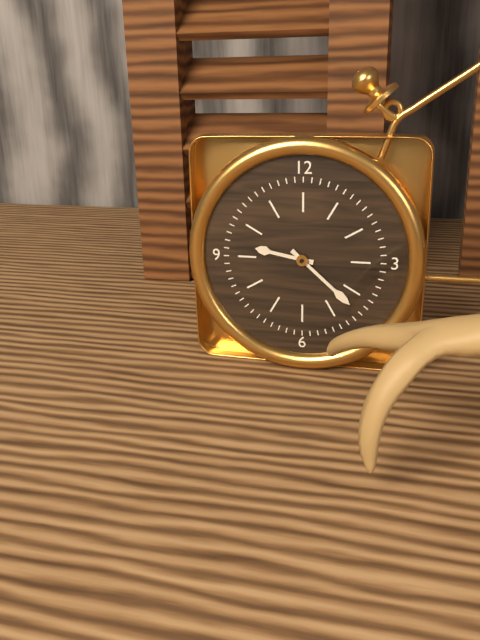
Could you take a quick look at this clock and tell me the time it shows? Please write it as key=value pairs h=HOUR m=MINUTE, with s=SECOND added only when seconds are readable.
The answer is h=9 m=22
